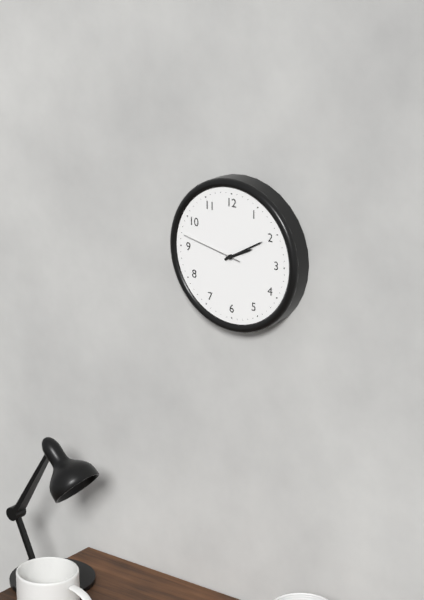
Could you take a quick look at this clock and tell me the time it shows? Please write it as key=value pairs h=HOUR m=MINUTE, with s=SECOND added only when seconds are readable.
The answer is h=2 m=10 s=47
